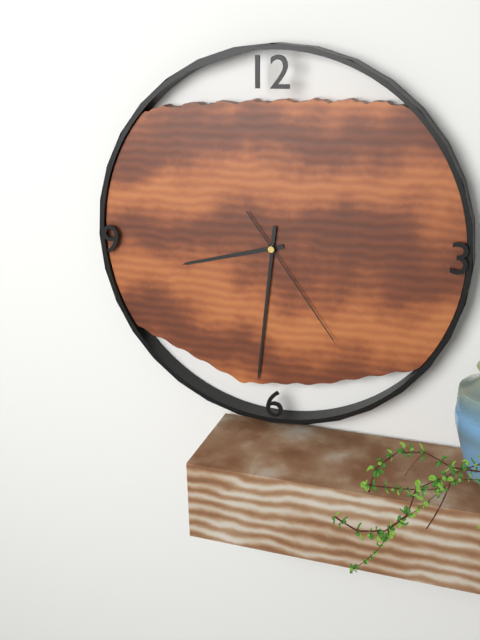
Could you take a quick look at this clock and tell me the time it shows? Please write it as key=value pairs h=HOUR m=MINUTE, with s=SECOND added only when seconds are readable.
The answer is h=8 m=31 s=24
